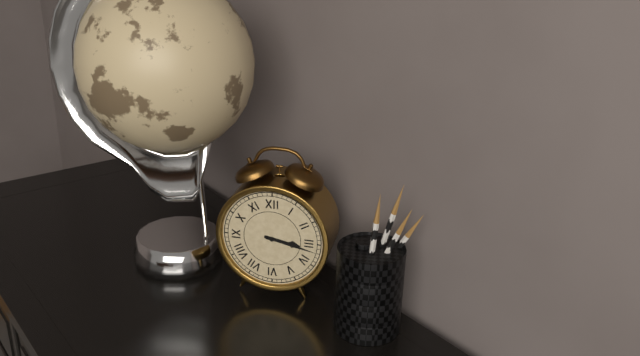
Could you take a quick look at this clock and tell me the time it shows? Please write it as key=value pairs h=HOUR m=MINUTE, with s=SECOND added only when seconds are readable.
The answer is h=3 m=17
